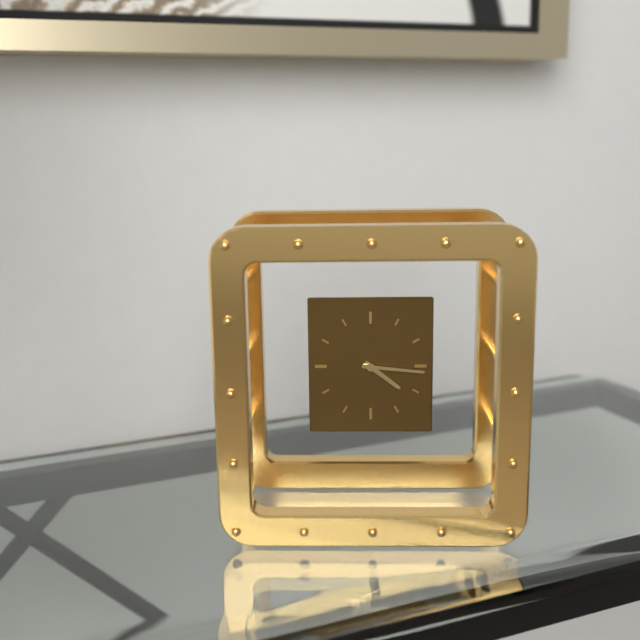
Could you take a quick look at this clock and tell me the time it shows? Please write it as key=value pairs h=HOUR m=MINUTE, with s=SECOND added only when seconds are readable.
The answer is h=4 m=16
